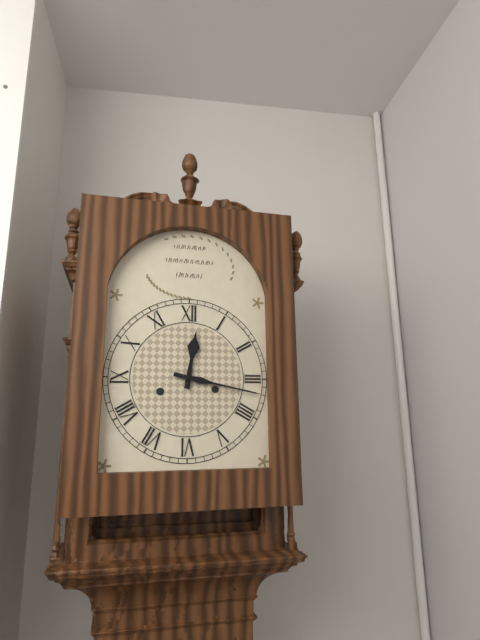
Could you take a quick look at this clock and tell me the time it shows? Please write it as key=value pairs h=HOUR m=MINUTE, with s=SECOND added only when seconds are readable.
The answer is h=12 m=17
